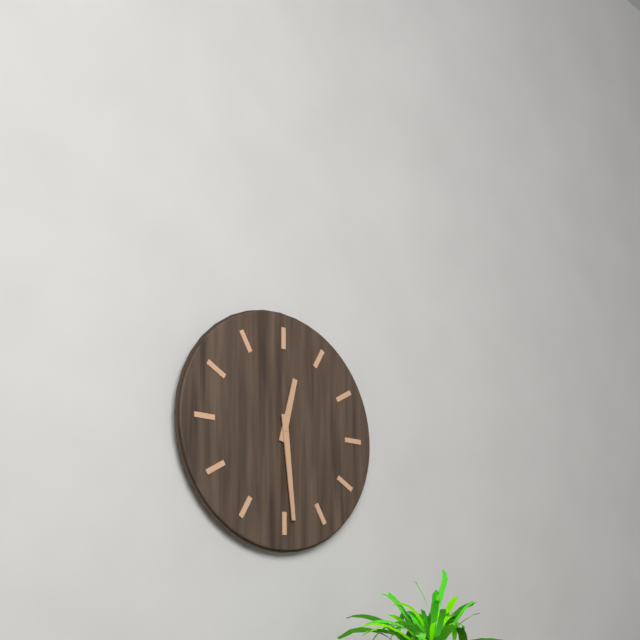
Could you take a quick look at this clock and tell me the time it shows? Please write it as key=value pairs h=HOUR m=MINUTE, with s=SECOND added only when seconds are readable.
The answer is h=12 m=29
